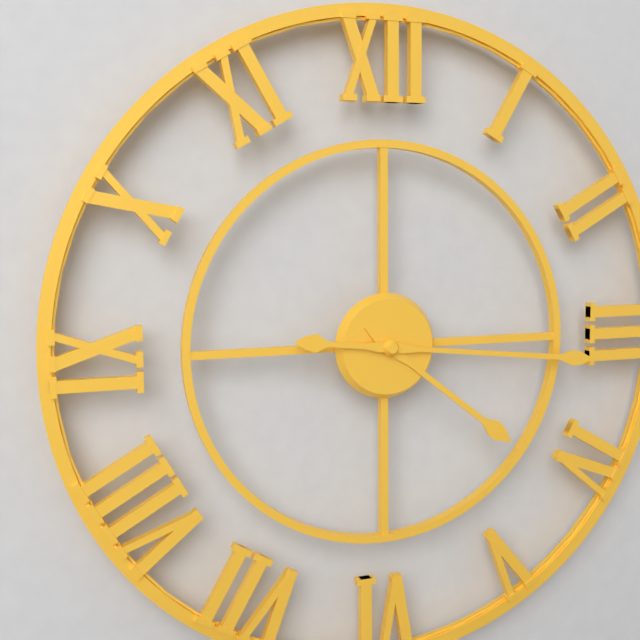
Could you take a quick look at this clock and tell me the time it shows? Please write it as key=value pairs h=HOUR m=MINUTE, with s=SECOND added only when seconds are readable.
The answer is h=4 m=16
